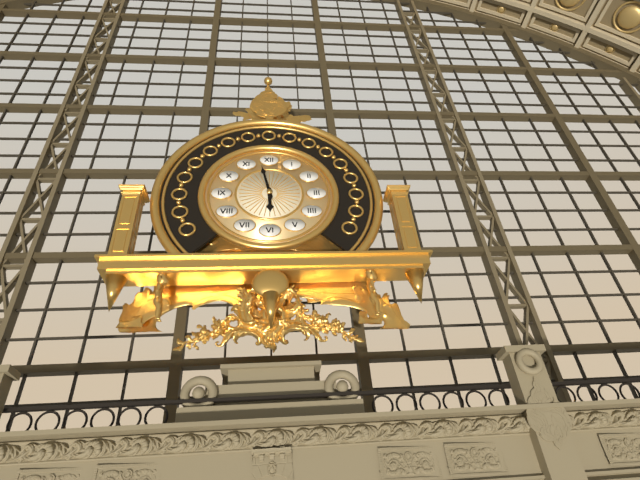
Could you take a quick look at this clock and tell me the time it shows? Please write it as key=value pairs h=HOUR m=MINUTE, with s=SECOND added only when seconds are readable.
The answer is h=5 m=58
